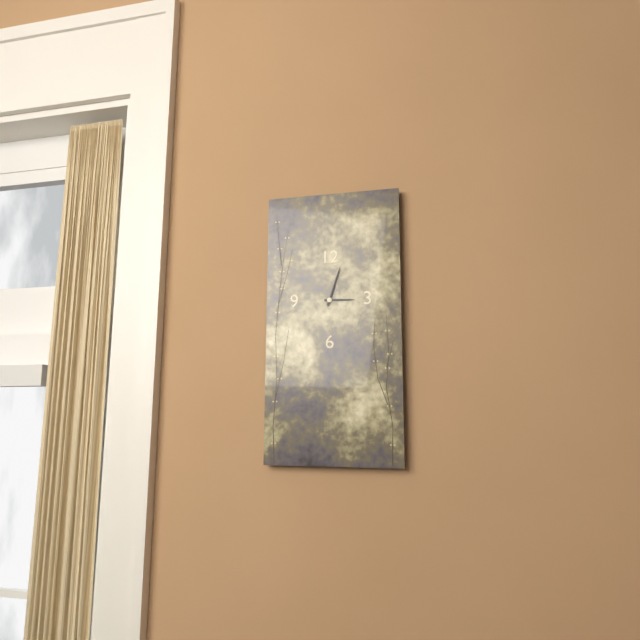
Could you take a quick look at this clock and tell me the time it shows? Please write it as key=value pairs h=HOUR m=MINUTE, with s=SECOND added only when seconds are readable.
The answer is h=3 m=3
